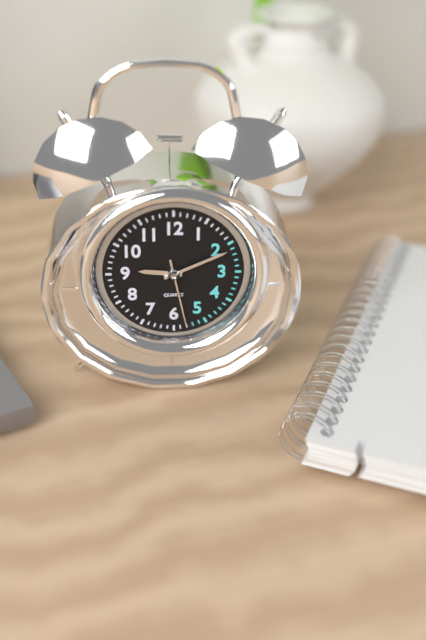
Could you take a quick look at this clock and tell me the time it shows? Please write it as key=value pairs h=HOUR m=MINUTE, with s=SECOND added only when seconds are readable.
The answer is h=9 m=11 s=28
